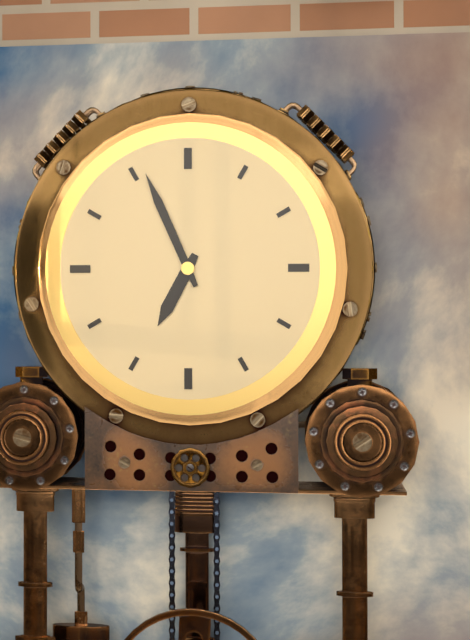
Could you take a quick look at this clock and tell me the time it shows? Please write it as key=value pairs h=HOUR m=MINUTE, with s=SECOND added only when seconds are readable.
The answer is h=6 m=56
